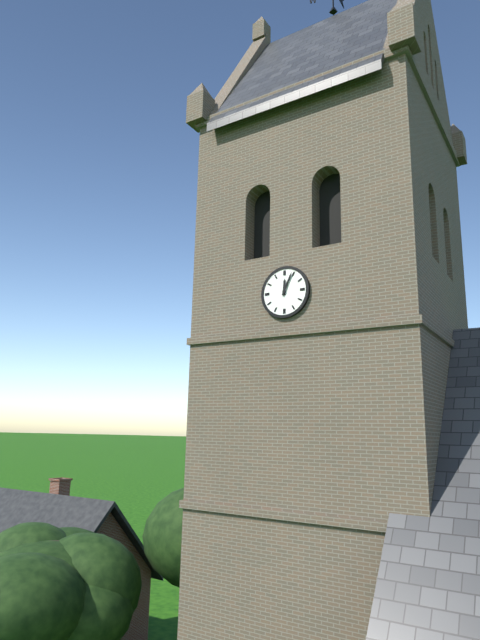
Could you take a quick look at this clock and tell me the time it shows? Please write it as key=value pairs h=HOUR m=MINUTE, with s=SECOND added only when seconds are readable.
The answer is h=12 m=4
